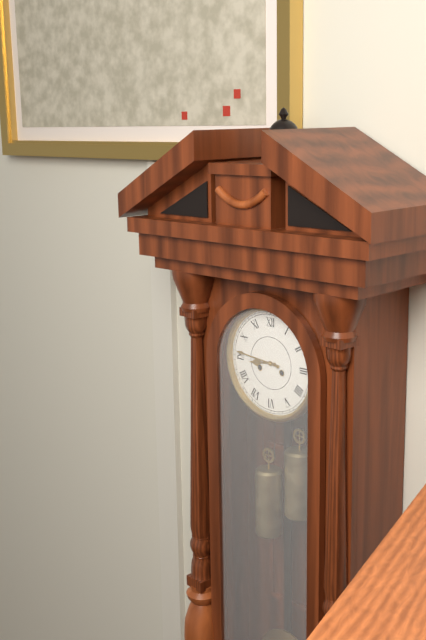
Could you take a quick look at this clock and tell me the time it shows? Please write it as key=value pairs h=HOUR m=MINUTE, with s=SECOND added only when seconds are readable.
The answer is h=8 m=46
